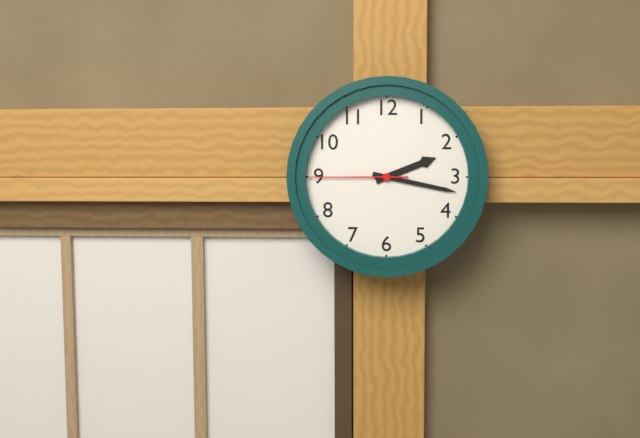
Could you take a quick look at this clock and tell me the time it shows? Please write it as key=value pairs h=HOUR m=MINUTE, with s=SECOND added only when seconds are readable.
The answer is h=2 m=17 s=45
